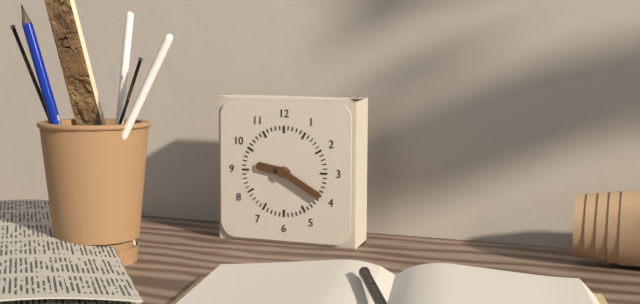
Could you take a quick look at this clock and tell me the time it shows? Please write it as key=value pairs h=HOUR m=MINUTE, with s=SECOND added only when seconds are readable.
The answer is h=9 m=20
